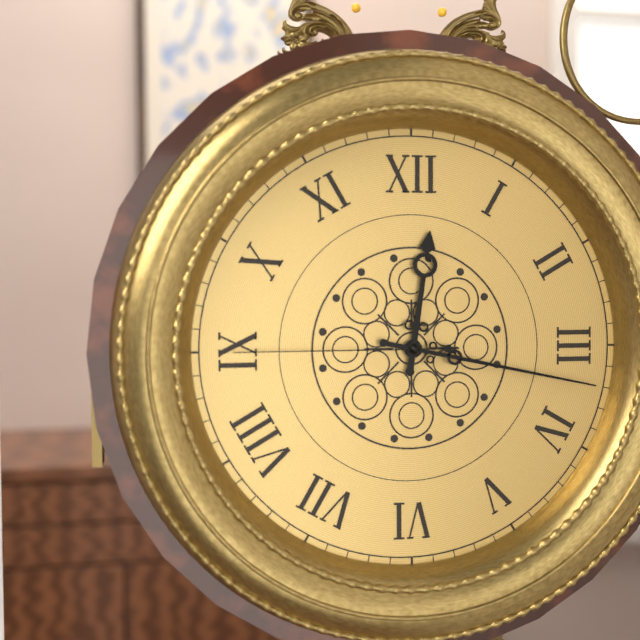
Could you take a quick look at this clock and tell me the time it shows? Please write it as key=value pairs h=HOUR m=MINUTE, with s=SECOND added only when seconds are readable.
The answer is h=12 m=17 s=45
